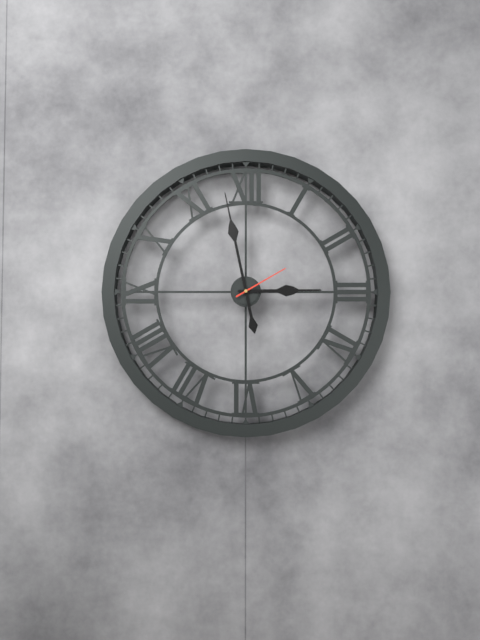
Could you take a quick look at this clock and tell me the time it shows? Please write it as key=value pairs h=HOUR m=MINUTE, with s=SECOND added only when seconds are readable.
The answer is h=2 m=58 s=10
